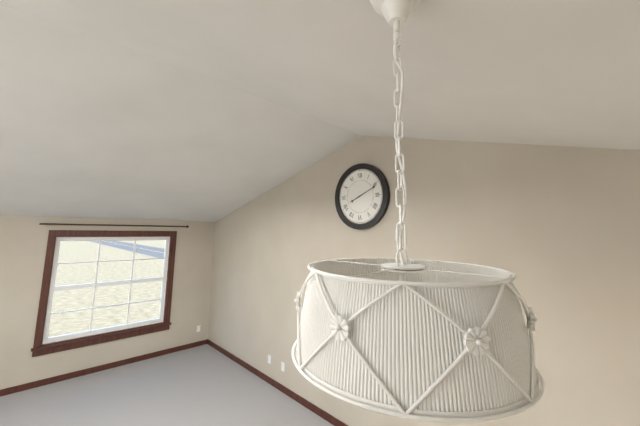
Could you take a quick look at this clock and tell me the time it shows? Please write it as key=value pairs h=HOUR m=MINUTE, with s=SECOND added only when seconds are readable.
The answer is h=8 m=11
